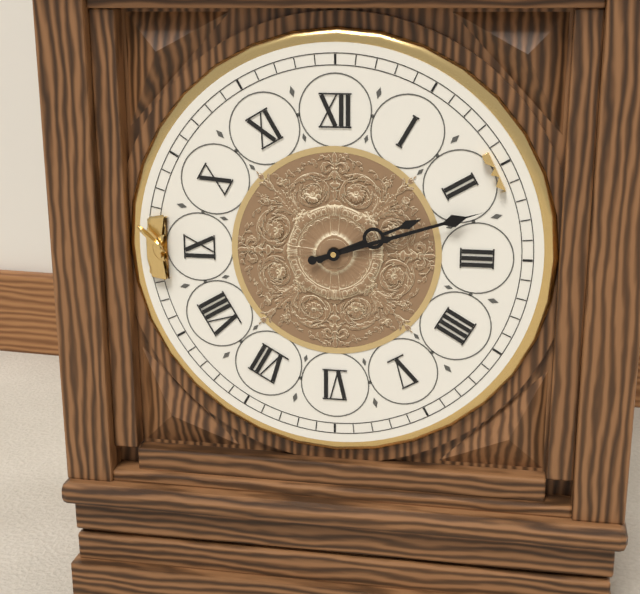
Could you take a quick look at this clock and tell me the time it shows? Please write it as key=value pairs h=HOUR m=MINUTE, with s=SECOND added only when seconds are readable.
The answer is h=2 m=12
